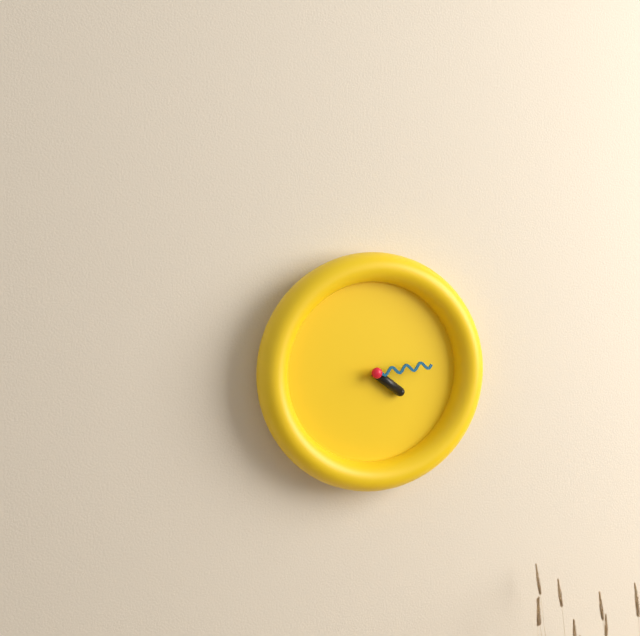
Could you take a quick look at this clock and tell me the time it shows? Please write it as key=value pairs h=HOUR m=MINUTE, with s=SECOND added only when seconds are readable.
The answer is h=4 m=14
